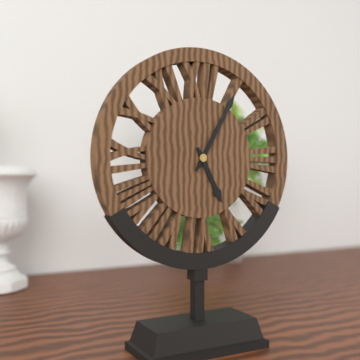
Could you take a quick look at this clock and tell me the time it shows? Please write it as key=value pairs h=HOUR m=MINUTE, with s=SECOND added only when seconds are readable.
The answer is h=5 m=5
